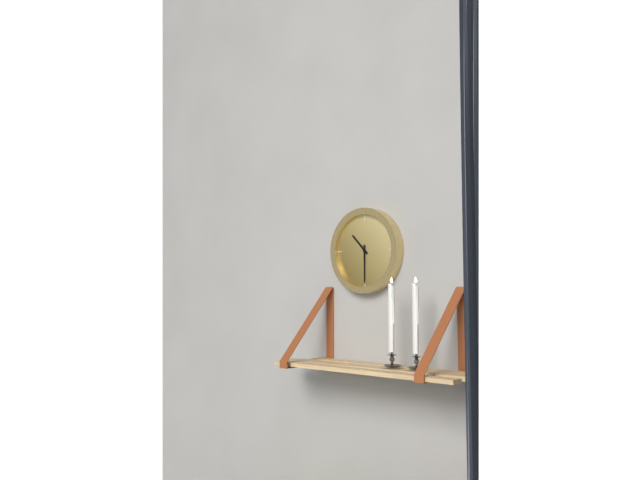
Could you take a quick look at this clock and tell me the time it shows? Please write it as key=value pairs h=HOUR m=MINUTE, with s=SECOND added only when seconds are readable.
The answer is h=10 m=30
